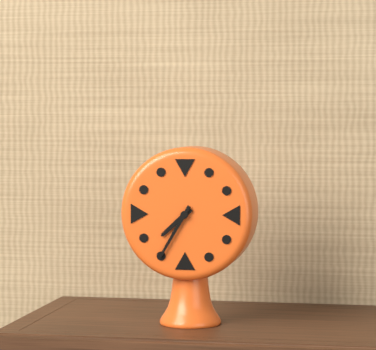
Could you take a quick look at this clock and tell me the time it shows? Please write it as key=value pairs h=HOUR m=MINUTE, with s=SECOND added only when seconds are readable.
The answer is h=7 m=35
